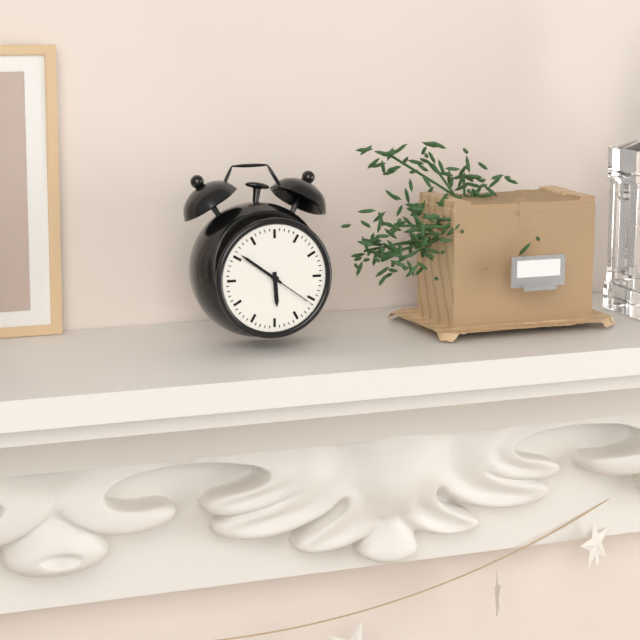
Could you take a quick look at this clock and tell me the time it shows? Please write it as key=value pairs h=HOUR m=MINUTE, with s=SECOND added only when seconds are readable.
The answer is h=5 m=51 s=21
